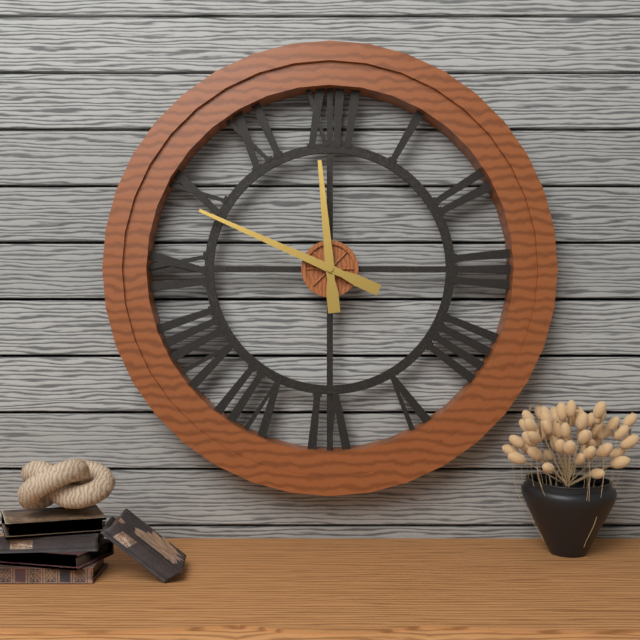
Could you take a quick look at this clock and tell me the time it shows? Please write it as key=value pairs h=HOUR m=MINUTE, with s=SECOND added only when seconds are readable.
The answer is h=11 m=49
